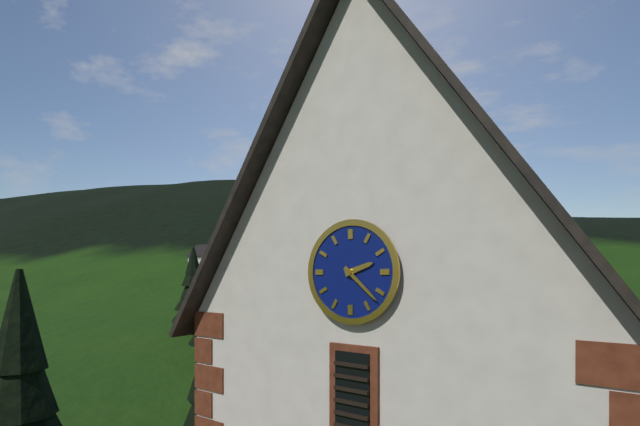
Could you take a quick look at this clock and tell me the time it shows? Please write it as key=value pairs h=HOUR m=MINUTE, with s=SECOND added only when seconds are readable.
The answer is h=2 m=22
